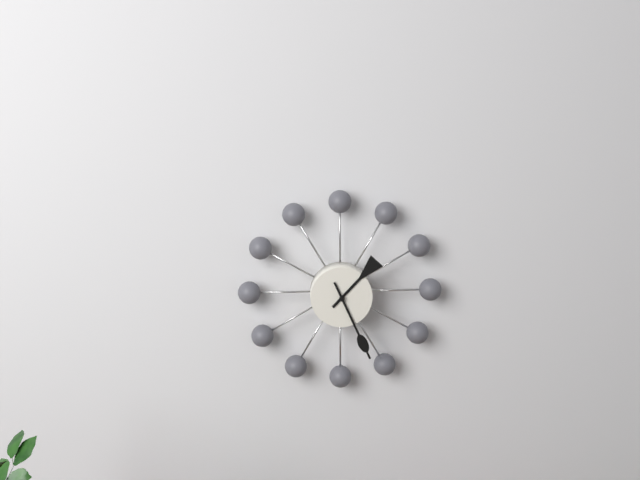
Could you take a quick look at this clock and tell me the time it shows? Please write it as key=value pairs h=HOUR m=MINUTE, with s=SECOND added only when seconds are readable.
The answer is h=1 m=26
